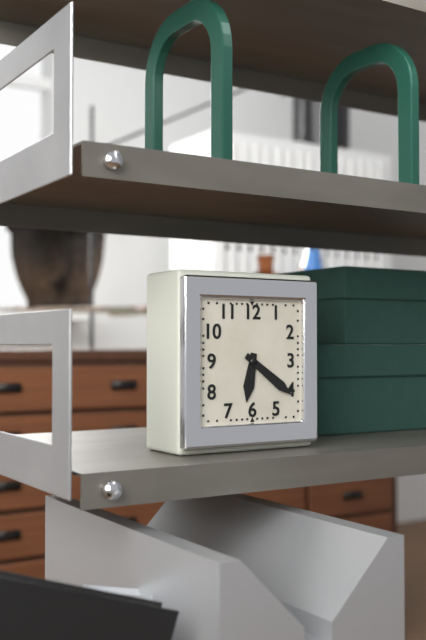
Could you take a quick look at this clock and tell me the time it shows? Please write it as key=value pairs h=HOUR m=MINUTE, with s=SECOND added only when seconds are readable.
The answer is h=6 m=21
